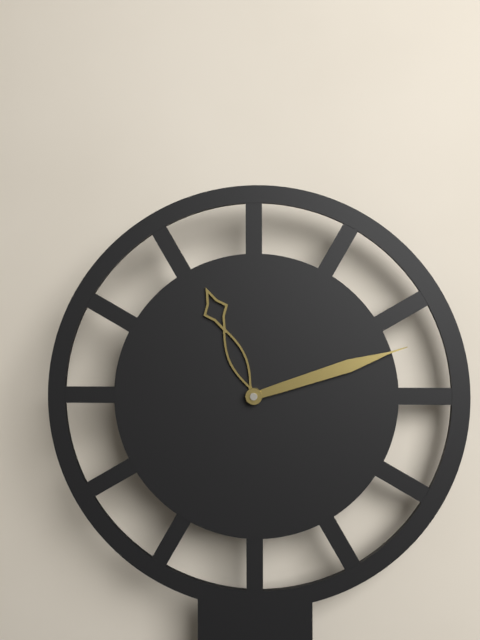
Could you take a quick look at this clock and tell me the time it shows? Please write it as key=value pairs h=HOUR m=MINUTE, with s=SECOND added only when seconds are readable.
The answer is h=11 m=12
